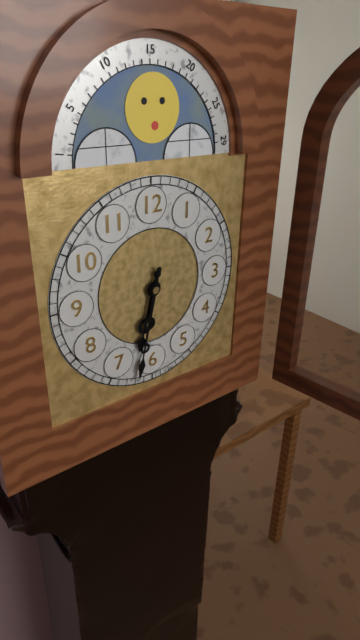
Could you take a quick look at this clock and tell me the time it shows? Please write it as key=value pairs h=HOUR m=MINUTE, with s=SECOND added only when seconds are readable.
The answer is h=6 m=32
